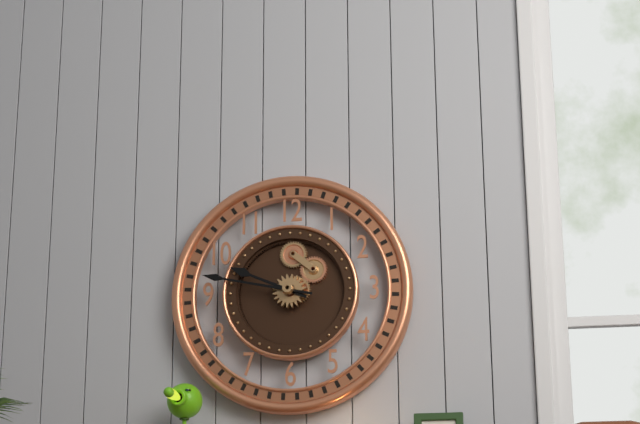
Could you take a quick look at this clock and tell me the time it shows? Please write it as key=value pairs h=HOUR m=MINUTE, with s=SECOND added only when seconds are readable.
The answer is h=9 m=47
